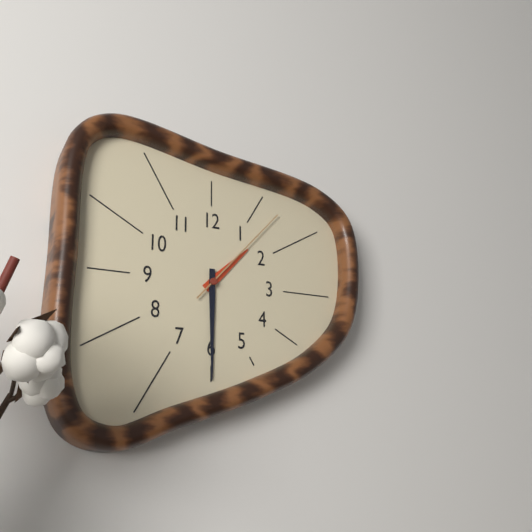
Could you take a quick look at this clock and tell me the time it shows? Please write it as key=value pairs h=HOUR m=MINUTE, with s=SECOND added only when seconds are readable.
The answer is h=1 m=30 s=7
